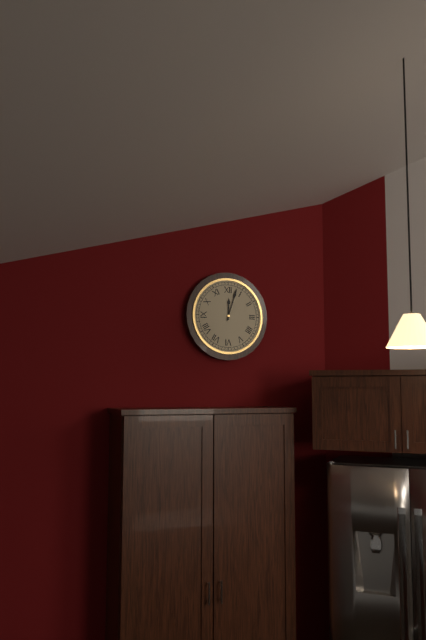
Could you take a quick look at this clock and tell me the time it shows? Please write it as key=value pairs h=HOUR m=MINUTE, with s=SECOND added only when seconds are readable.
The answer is h=12 m=3
